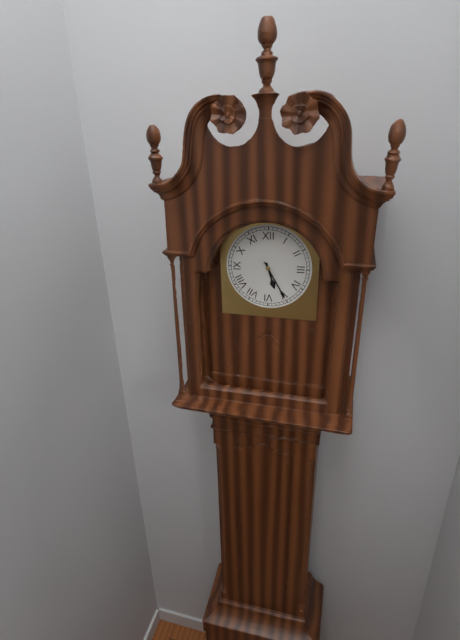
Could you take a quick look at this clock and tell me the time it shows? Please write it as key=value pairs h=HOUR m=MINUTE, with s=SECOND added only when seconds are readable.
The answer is h=5 m=25
